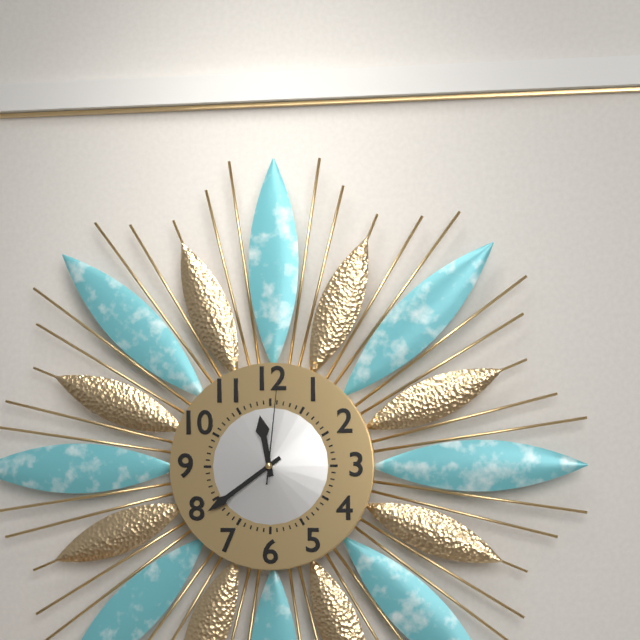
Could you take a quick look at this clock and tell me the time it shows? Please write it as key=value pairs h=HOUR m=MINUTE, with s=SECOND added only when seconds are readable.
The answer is h=11 m=39 s=1
